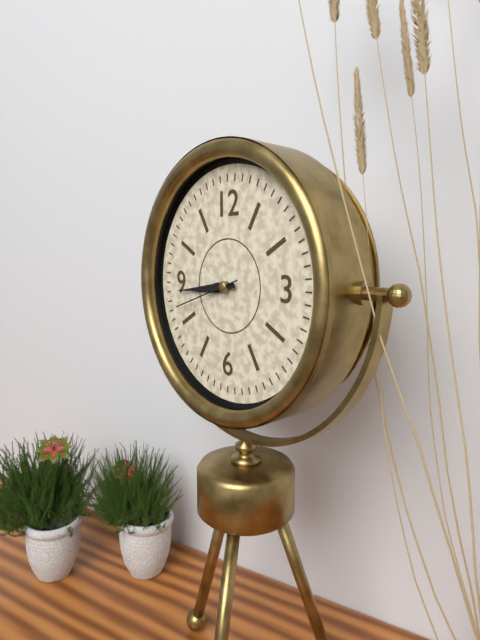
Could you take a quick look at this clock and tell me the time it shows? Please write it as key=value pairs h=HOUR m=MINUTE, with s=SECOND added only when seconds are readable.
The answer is h=8 m=44 s=42
